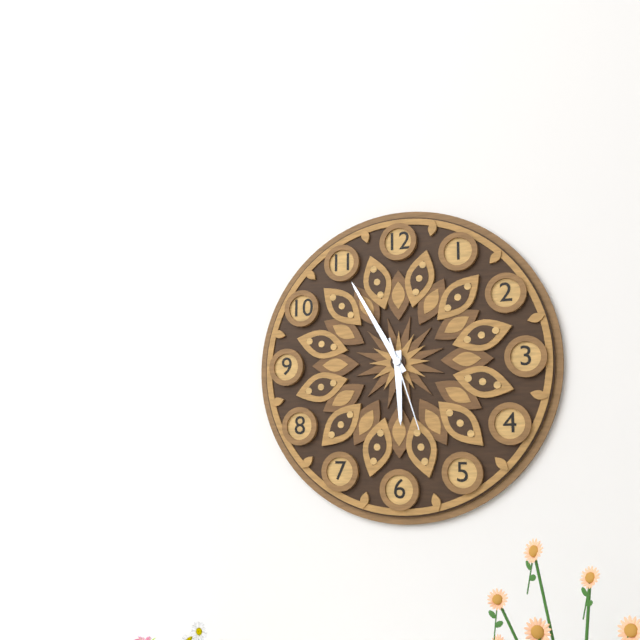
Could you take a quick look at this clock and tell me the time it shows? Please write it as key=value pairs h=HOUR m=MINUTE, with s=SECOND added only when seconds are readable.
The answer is h=5 m=55 s=27
